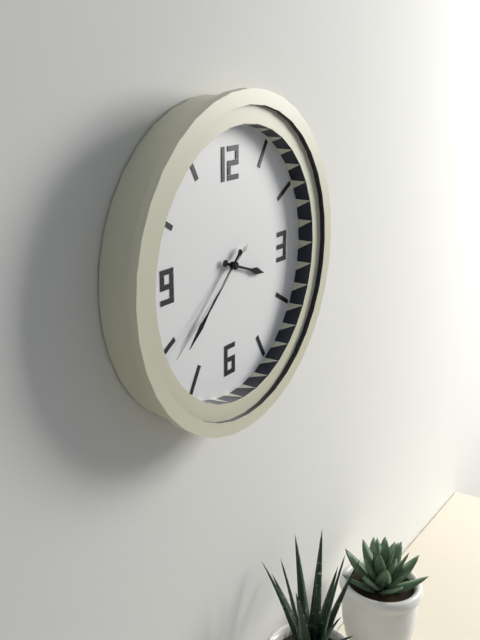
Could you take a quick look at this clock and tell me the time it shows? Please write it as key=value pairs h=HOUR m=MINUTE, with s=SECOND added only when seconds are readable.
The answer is h=3 m=38 s=39
